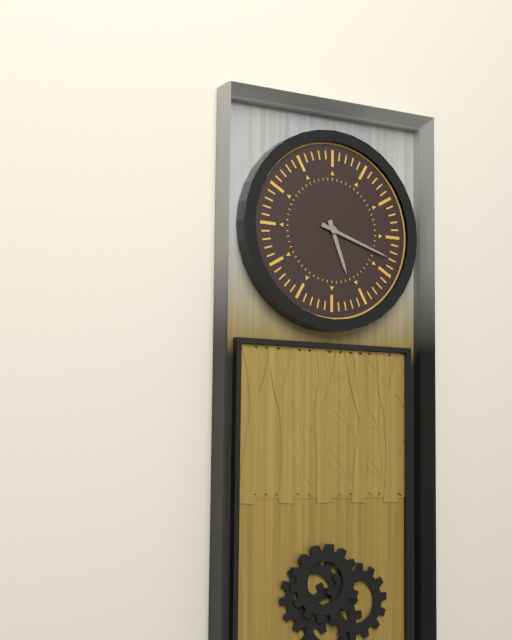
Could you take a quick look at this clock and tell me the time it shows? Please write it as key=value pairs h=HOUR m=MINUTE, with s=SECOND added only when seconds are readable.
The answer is h=5 m=18
